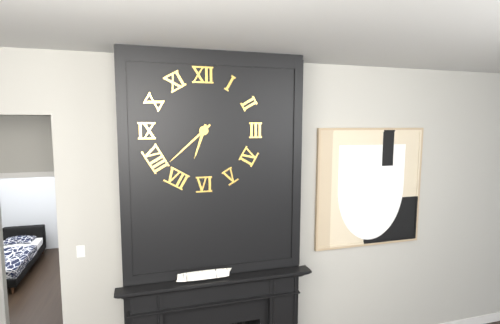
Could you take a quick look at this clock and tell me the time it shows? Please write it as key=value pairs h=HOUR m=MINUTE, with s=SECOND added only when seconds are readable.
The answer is h=6 m=38
